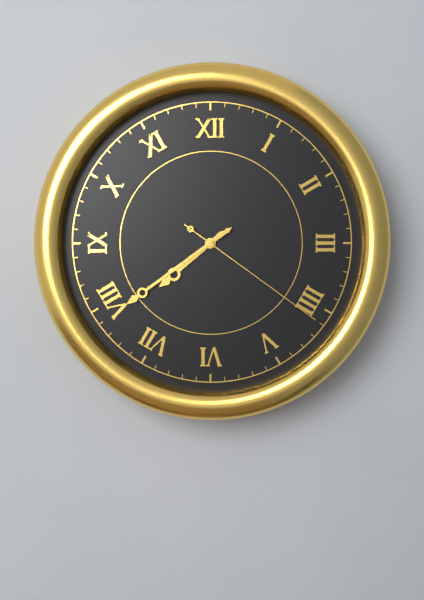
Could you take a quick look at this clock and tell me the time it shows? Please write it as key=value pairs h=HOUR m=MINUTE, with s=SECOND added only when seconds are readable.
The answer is h=7 m=39 s=21
